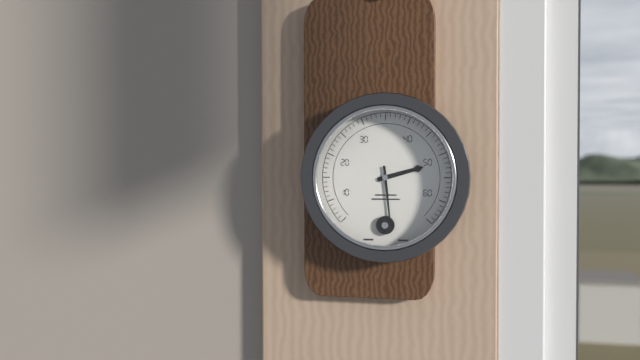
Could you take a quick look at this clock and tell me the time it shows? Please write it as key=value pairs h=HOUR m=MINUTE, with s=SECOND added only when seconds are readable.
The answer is h=2 m=29
